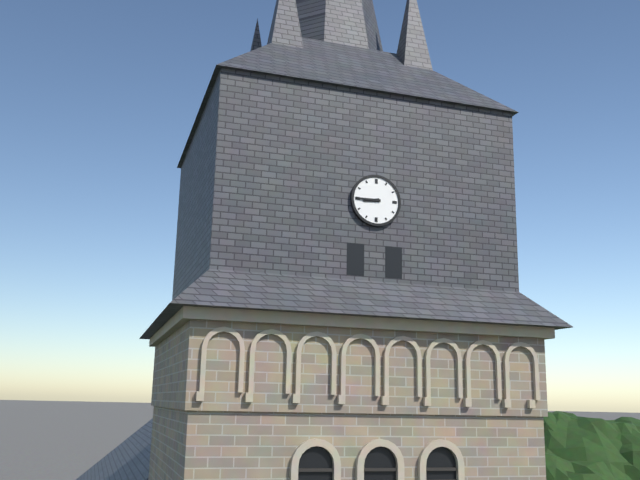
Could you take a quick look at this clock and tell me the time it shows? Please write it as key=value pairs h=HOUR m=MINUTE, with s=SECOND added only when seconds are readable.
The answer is h=8 m=45
